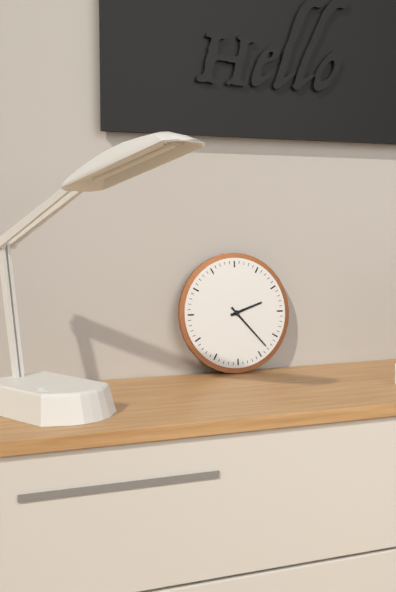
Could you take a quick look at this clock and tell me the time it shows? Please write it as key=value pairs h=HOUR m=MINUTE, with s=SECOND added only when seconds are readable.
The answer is h=2 m=23
